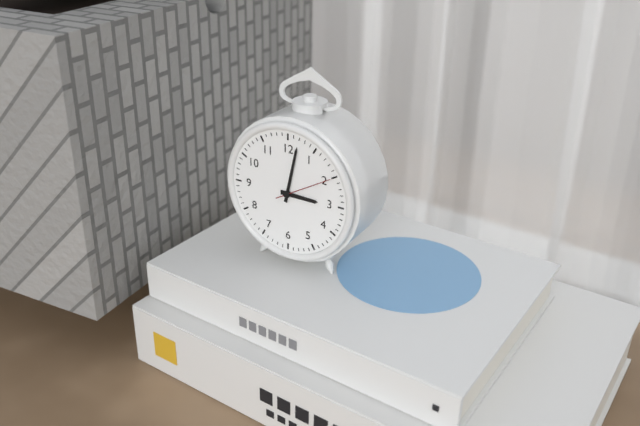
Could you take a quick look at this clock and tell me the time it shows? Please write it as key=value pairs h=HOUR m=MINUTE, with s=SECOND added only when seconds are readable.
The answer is h=3 m=2 s=10
